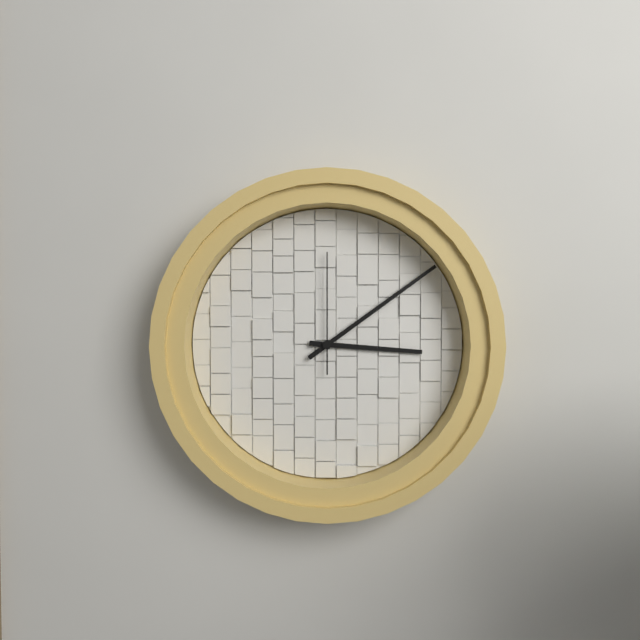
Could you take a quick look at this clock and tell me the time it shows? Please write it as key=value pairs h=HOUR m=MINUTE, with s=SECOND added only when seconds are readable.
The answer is h=3 m=9 s=0
